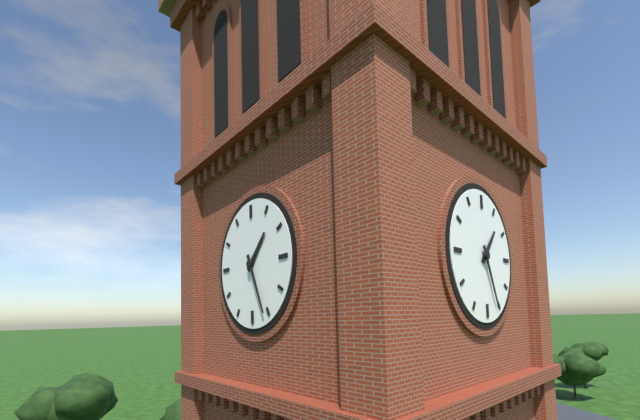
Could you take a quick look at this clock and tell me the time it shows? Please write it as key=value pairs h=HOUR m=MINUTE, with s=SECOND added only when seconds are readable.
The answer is h=1 m=26
